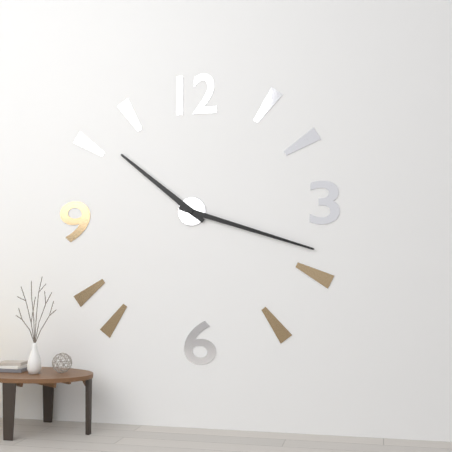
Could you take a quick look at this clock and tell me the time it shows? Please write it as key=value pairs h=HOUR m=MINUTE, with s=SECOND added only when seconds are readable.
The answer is h=10 m=18
